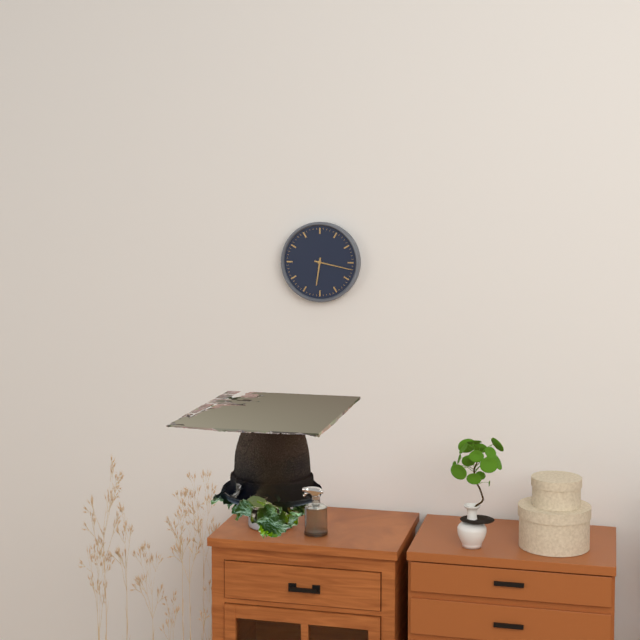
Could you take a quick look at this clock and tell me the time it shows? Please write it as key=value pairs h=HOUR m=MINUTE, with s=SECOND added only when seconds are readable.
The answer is h=6 m=17
